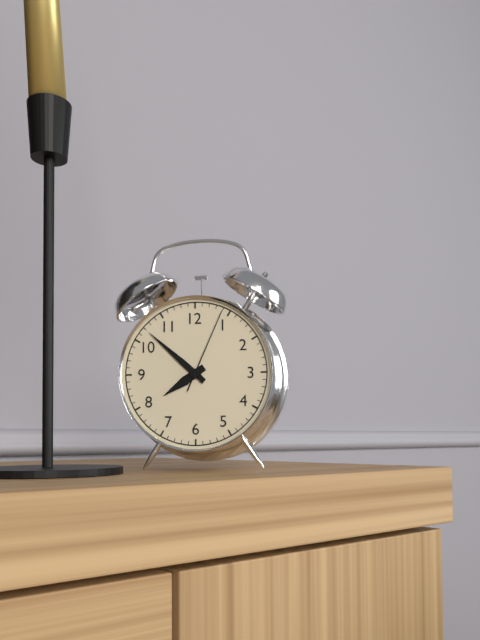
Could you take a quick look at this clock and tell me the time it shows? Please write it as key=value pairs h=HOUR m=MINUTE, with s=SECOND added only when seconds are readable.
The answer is h=7 m=52 s=4
